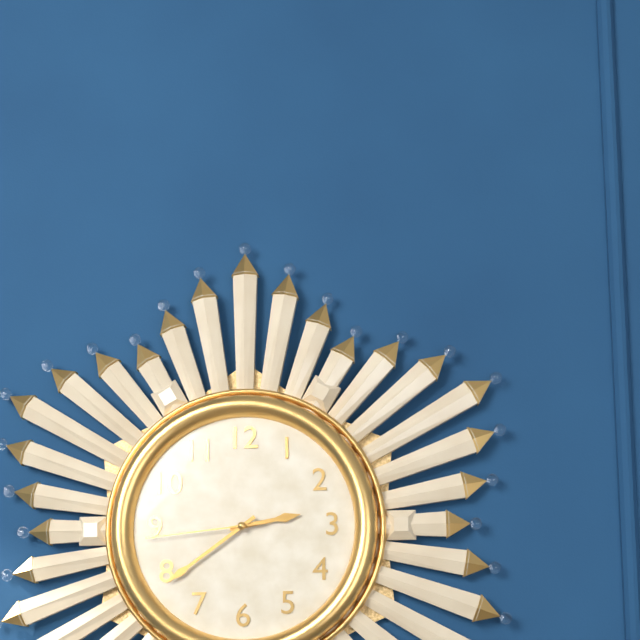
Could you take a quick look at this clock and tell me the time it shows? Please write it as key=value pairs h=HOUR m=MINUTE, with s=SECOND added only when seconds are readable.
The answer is h=2 m=39 s=44
